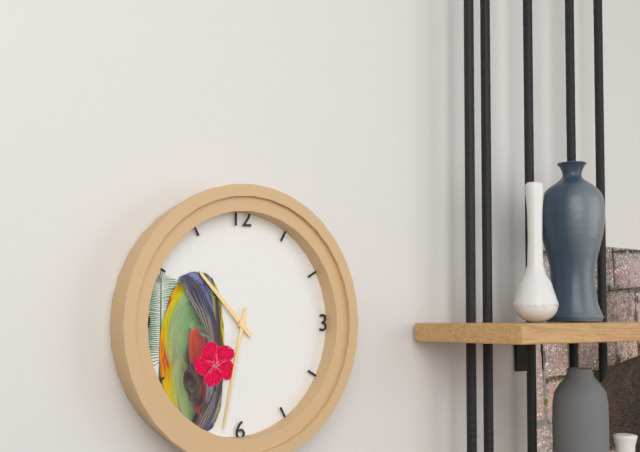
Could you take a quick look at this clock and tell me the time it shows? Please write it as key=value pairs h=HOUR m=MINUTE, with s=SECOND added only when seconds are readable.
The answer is h=10 m=32
